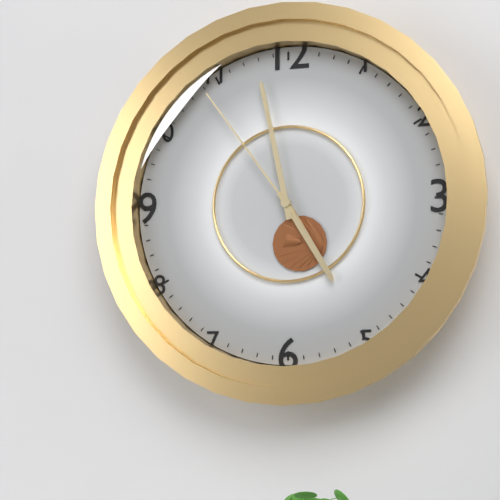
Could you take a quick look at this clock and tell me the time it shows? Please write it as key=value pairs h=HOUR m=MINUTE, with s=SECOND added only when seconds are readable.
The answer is h=4 m=58 s=54
